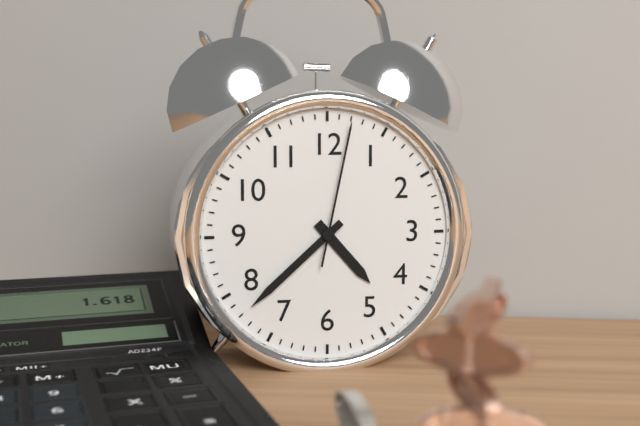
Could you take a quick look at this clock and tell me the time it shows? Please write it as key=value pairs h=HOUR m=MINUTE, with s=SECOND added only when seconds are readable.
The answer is h=4 m=38 s=2
